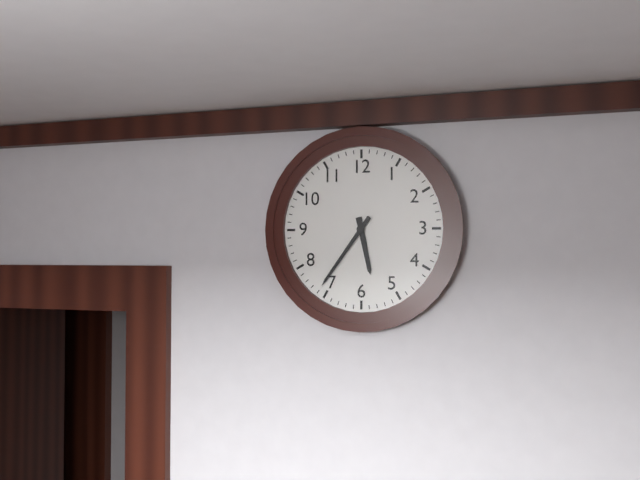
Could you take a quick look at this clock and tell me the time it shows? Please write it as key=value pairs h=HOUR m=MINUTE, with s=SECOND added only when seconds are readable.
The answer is h=5 m=36
